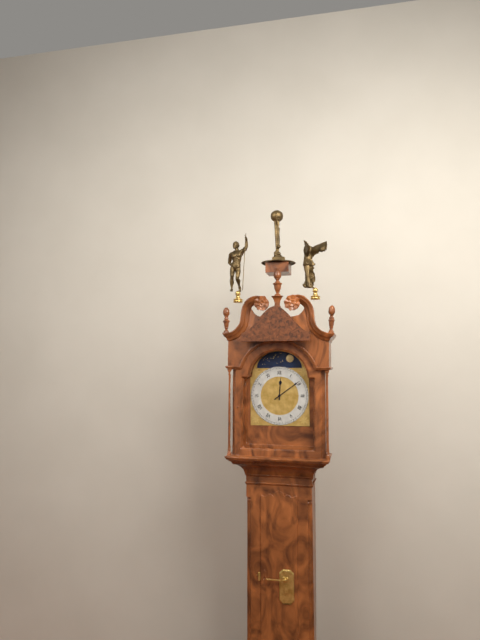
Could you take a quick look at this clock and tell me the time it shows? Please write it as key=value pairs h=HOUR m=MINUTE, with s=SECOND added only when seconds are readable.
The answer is h=12 m=9
